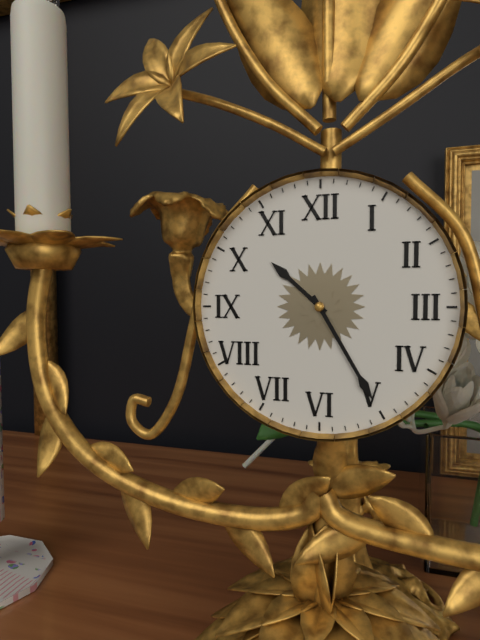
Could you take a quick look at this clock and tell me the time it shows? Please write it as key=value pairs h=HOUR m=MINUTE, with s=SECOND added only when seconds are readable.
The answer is h=10 m=25
